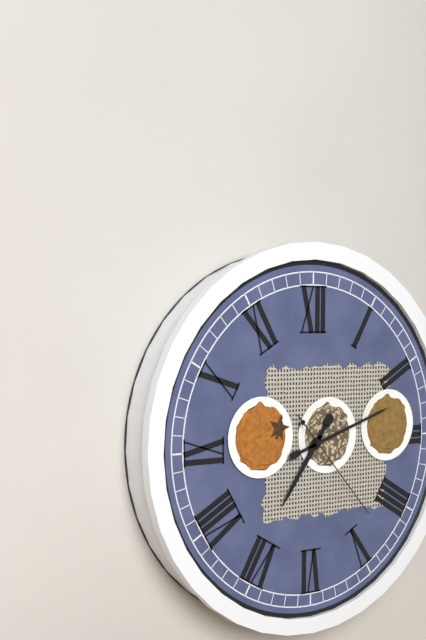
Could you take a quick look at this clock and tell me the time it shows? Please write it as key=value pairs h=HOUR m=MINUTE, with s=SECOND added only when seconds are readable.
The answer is h=7 m=12 s=23
